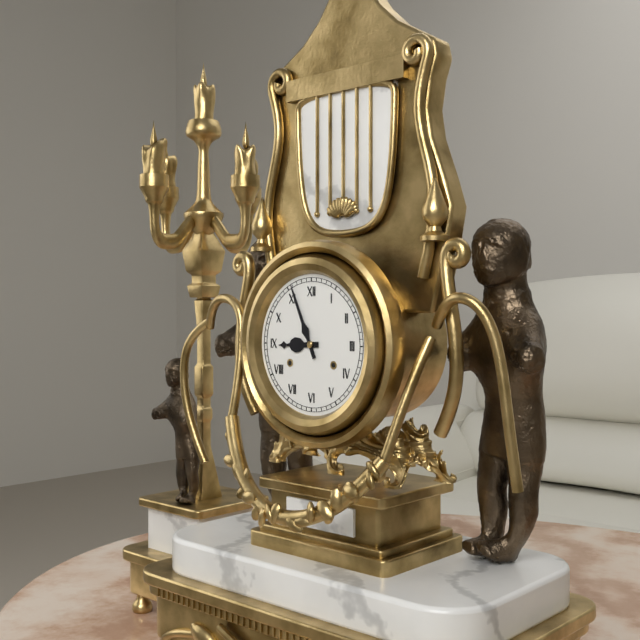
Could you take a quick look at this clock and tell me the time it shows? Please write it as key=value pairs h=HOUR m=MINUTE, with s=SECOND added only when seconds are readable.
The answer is h=8 m=56
